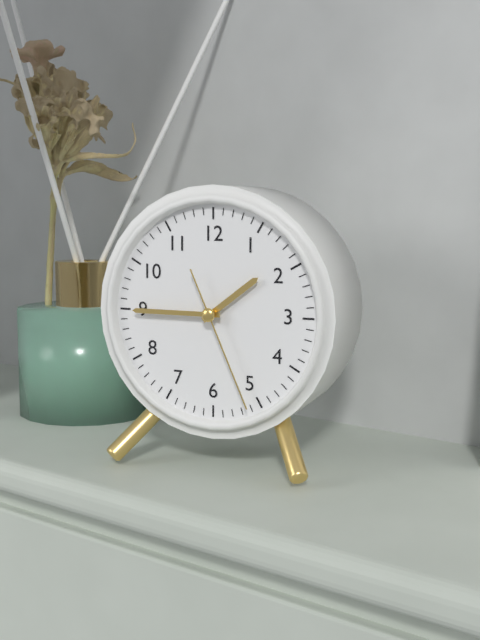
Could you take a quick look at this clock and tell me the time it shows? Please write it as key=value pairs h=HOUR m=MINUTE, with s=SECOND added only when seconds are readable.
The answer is h=1 m=45 s=26
